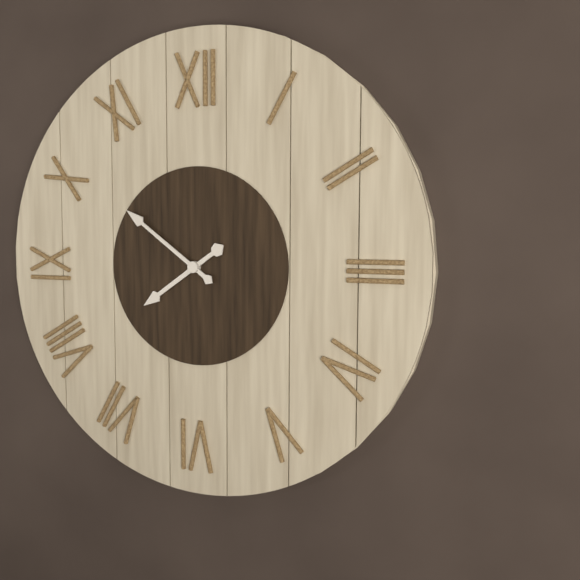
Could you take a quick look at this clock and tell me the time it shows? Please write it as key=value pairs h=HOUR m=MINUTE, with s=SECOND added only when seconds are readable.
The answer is h=7 m=51
